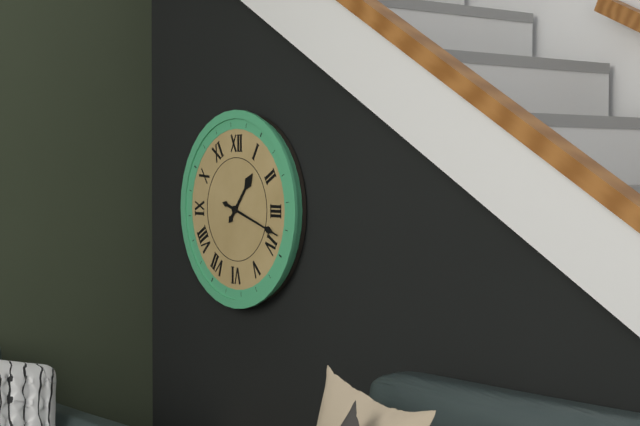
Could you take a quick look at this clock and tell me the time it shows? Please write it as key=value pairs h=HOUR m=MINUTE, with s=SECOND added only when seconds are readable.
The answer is h=1 m=18
